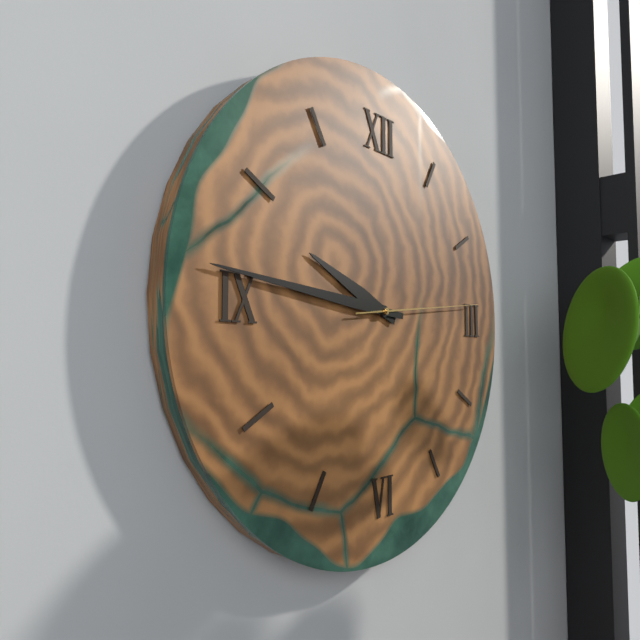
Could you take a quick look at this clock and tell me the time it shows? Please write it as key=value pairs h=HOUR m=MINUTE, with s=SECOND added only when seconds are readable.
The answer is h=9 m=46 s=14
